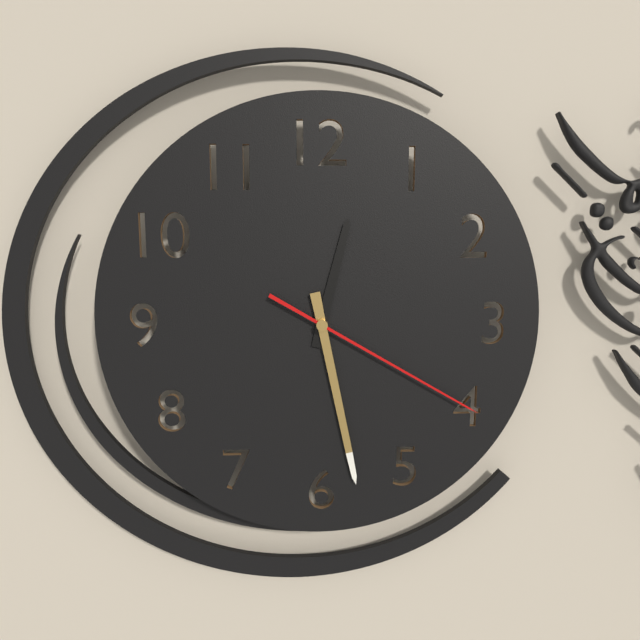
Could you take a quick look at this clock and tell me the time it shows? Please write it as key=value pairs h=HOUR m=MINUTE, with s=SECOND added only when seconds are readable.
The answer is h=12 m=28 s=20
